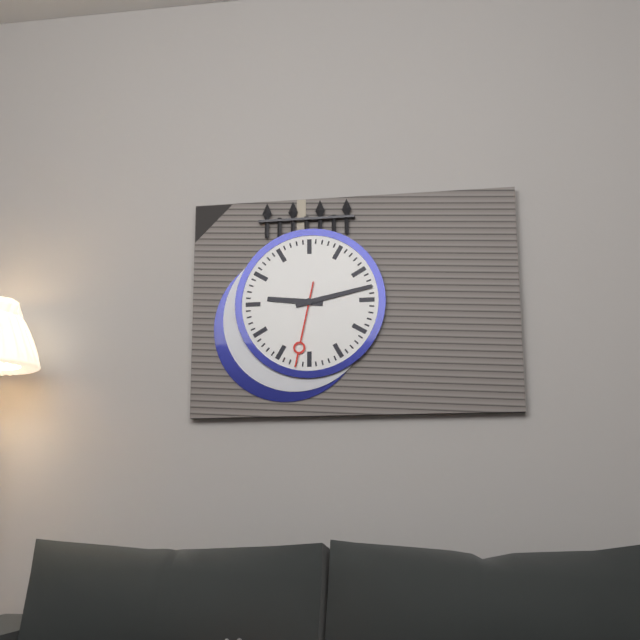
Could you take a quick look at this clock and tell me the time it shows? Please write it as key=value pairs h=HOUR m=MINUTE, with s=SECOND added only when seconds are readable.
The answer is h=9 m=13 s=32
